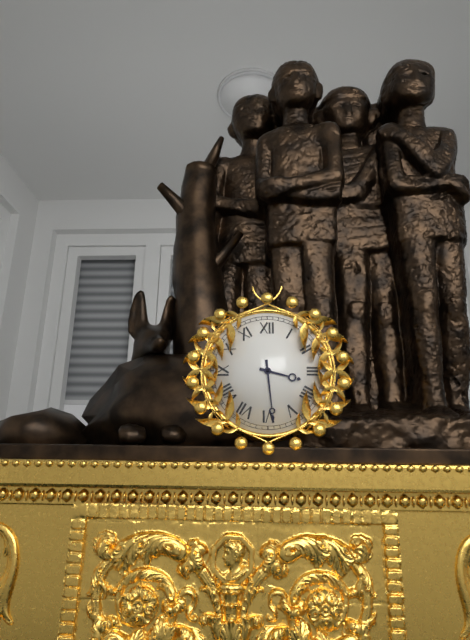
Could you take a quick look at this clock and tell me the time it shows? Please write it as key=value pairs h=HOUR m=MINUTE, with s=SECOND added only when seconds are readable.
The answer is h=3 m=29
